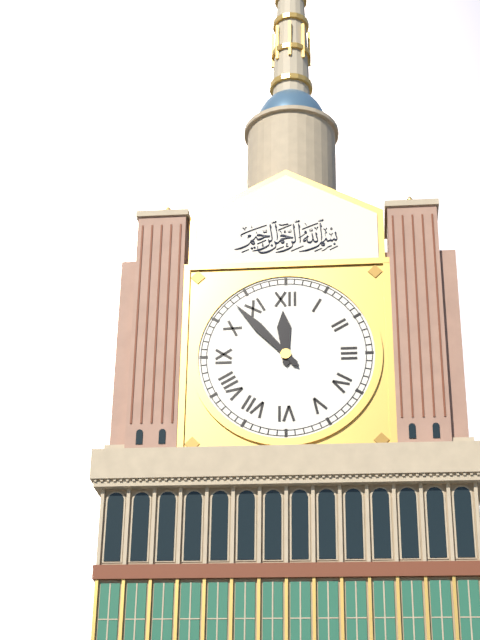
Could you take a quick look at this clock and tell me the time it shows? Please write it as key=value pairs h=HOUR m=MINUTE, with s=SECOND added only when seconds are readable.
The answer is h=11 m=53
